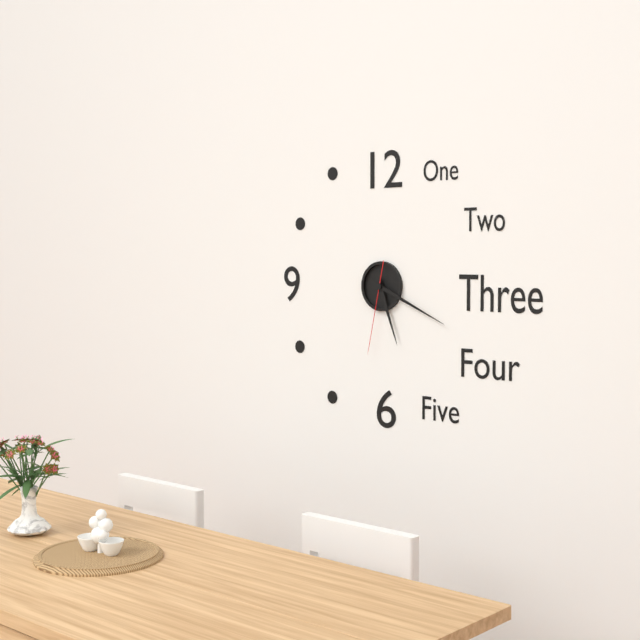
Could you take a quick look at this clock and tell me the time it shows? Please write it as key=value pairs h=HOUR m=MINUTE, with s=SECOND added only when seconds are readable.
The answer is h=5 m=19 s=32
